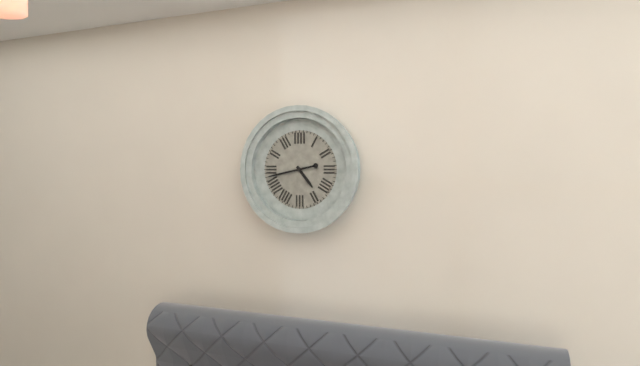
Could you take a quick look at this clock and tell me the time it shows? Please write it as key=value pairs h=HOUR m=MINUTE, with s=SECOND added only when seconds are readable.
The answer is h=4 m=43
